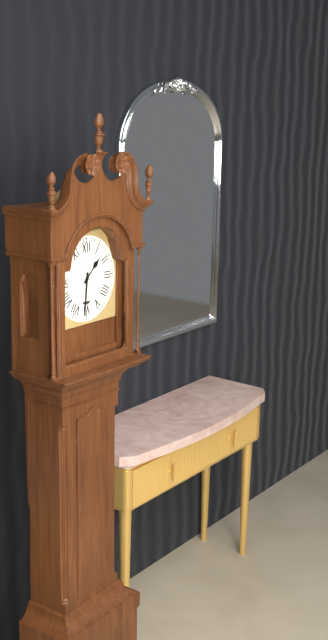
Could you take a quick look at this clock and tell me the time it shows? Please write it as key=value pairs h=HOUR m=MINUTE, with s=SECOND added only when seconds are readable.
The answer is h=1 m=31
